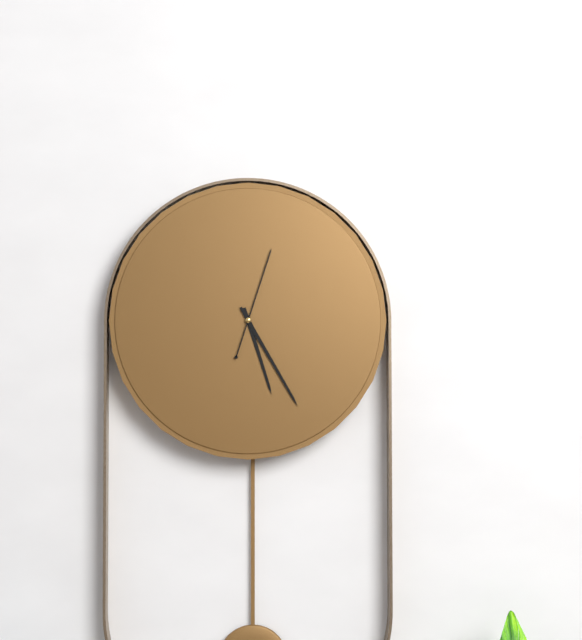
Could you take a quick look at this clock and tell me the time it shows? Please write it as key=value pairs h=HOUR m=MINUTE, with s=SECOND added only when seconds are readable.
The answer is h=5 m=25 s=3
